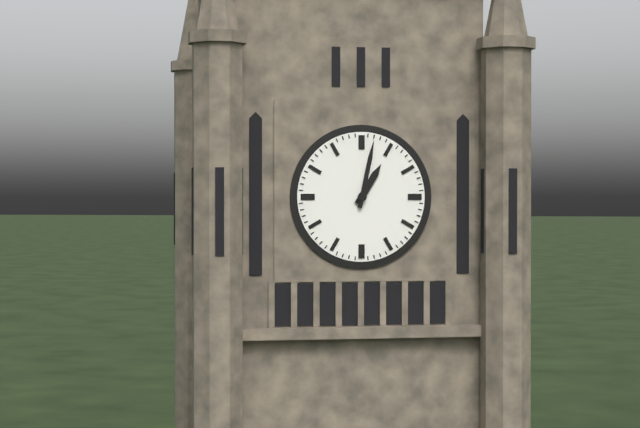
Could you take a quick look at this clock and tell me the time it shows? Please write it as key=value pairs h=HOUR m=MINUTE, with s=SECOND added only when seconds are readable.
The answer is h=1 m=2
